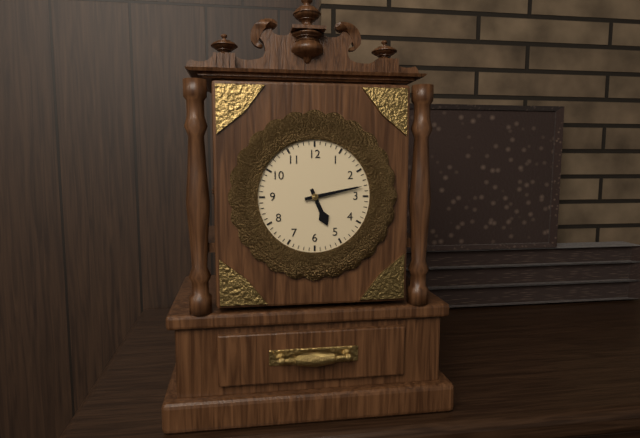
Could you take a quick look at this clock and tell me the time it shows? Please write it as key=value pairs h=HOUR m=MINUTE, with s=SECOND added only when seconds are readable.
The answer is h=5 m=13
